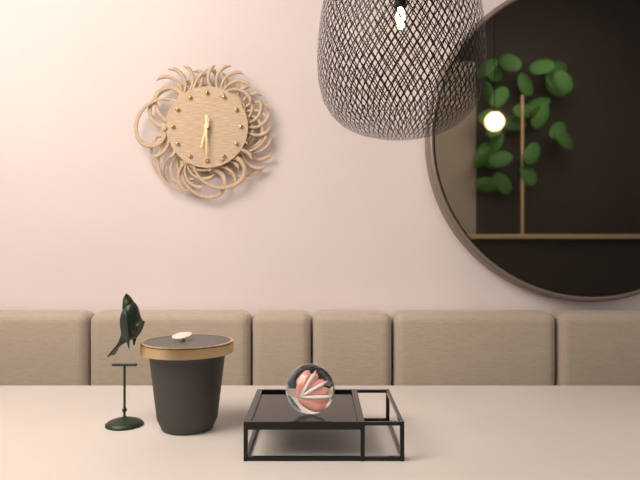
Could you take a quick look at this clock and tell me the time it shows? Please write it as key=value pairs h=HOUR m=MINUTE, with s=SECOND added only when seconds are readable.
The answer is h=6 m=30
